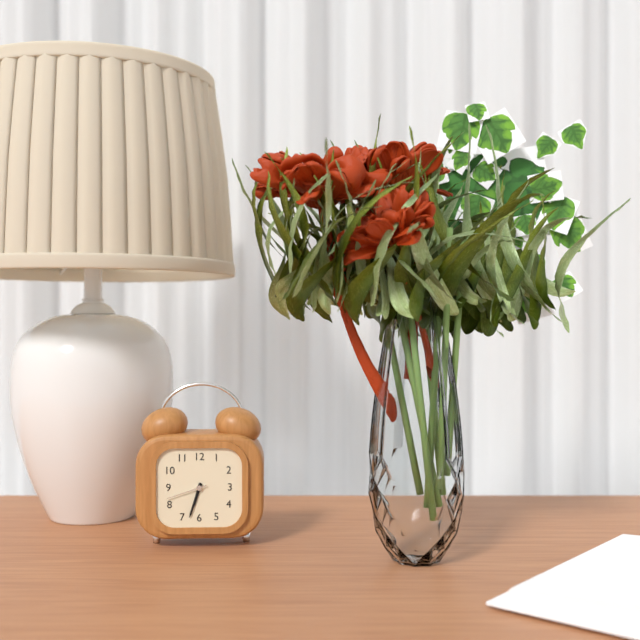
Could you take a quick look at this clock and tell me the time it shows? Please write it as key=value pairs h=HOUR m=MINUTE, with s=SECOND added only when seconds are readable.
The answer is h=6 m=33
